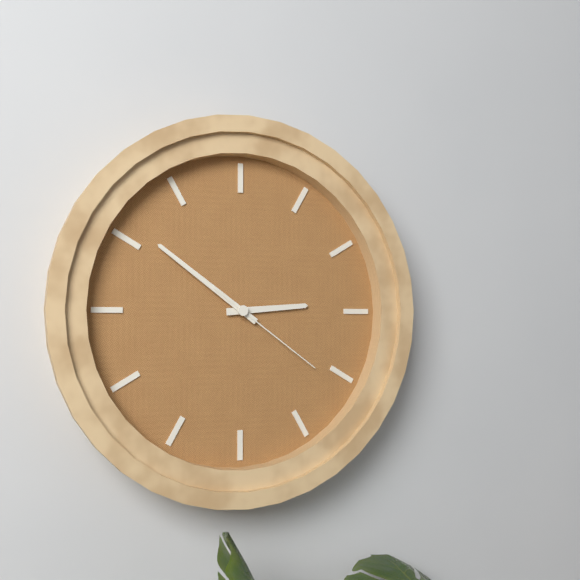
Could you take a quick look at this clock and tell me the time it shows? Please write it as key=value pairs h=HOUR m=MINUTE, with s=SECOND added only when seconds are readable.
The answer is h=2 m=51 s=21
